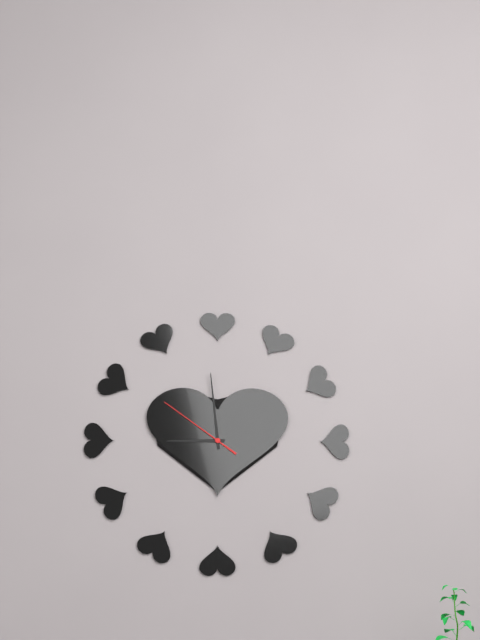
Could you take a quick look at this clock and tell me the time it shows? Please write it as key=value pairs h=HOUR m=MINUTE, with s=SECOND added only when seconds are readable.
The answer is h=8 m=59 s=51
